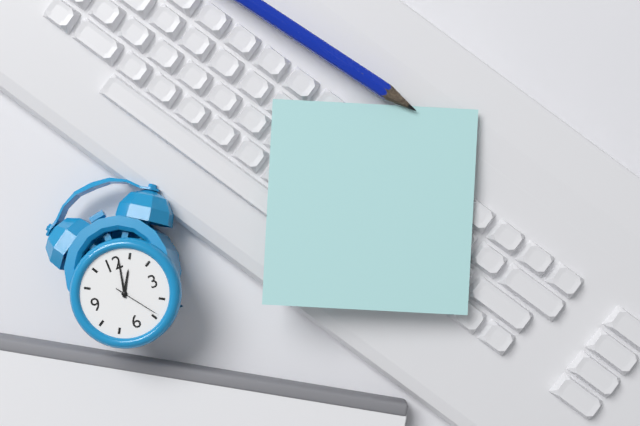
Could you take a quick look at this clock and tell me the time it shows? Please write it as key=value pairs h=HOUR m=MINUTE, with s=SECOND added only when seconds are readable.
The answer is h=1 m=2 s=24
